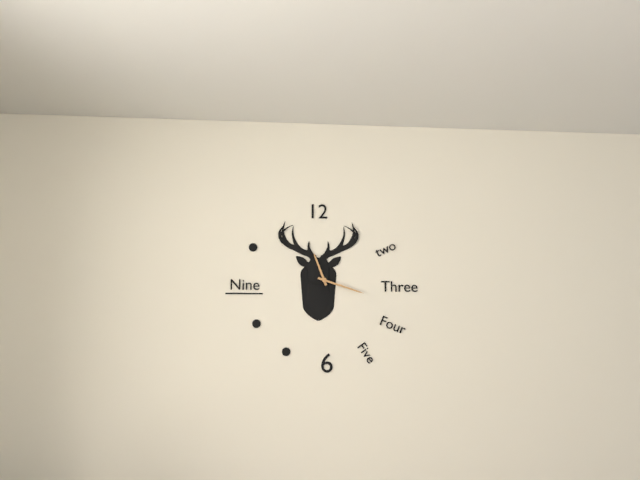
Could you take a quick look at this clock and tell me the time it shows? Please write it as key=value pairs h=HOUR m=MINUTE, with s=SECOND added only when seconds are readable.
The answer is h=11 m=18
